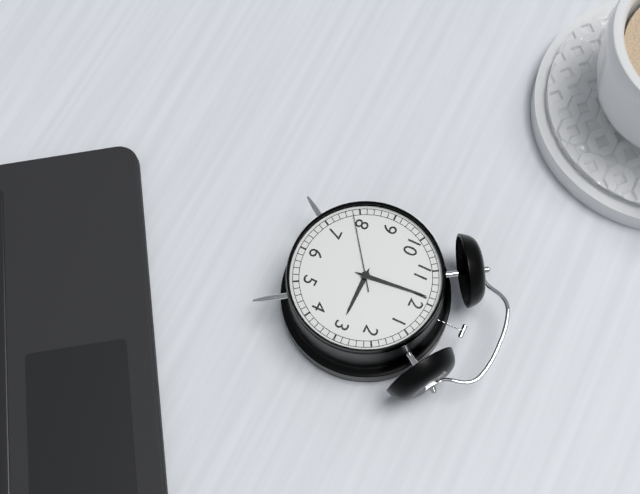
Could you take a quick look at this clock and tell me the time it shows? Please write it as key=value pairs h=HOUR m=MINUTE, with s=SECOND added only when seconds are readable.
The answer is h=2 m=59 s=39
